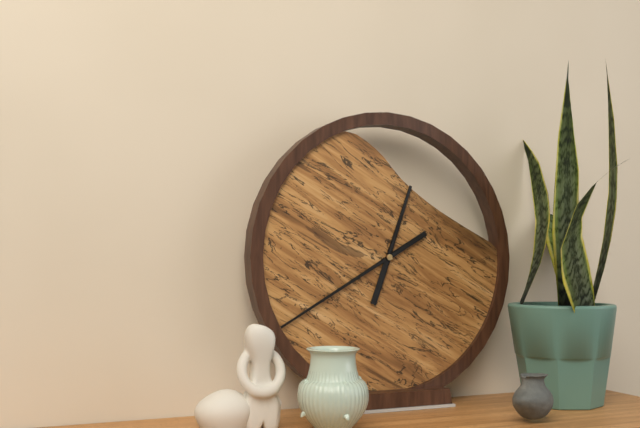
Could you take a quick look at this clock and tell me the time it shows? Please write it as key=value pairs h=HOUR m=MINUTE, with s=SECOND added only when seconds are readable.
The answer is h=12 m=40
